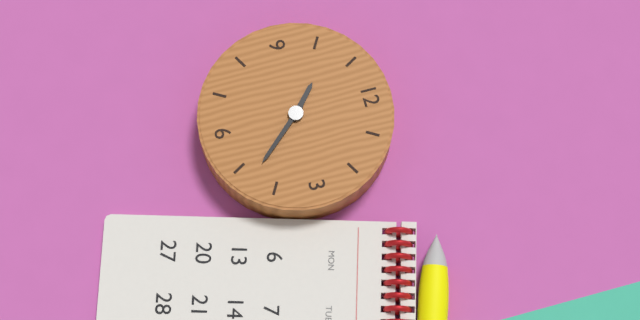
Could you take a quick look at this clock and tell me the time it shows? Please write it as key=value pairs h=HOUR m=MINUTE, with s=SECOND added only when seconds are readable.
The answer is h=10 m=23
